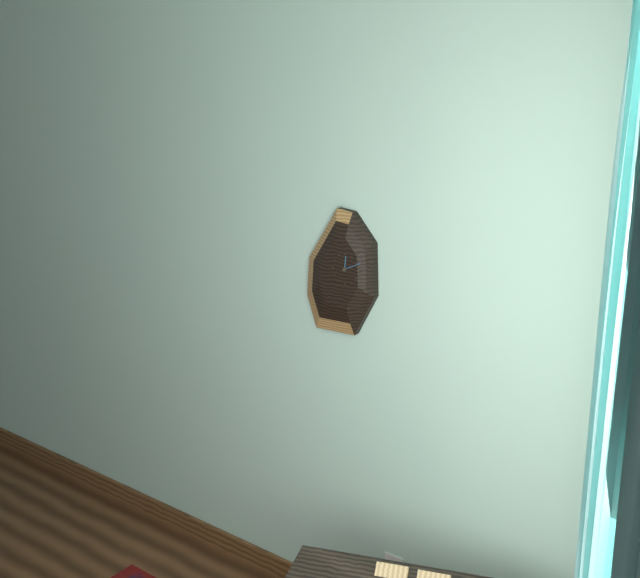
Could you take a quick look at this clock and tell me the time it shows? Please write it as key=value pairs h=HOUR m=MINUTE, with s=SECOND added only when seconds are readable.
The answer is h=12 m=11
